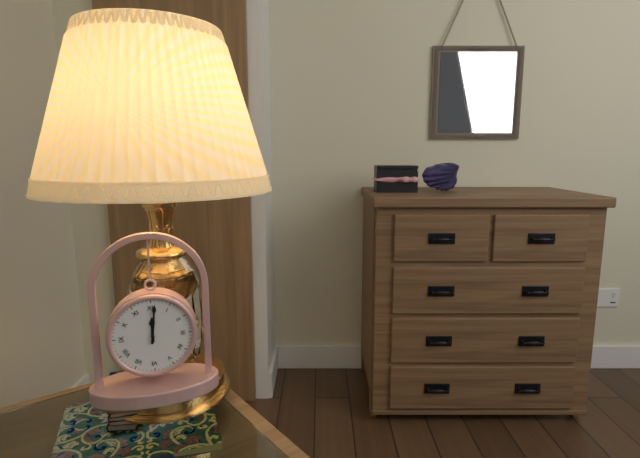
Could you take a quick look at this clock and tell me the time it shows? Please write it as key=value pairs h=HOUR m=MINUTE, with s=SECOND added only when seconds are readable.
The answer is h=12 m=1
